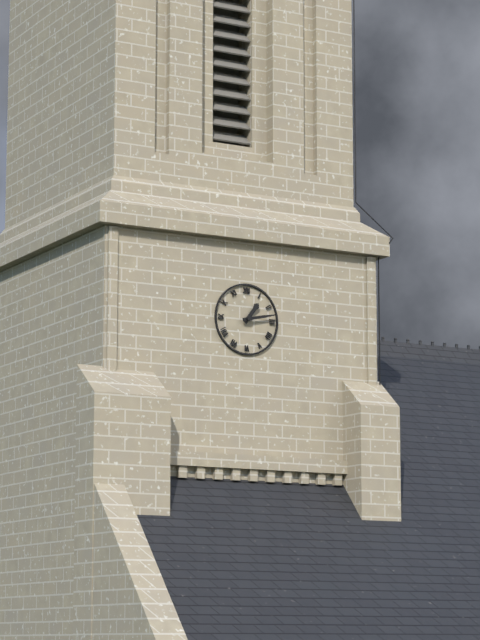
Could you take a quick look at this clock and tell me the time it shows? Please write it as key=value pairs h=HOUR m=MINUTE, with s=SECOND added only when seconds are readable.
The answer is h=1 m=13
